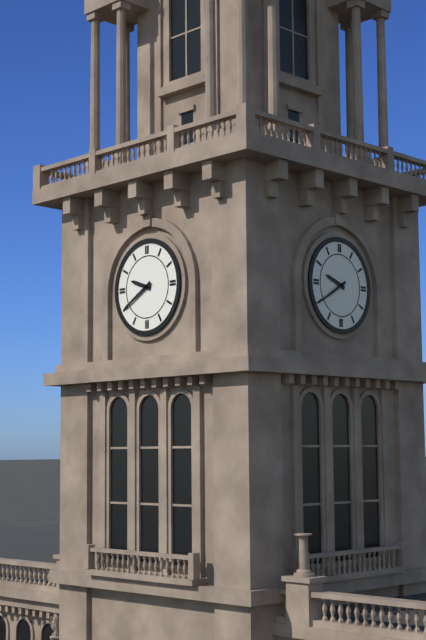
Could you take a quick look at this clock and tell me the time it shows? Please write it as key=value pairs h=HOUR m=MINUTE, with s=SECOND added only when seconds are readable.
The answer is h=9 m=40
